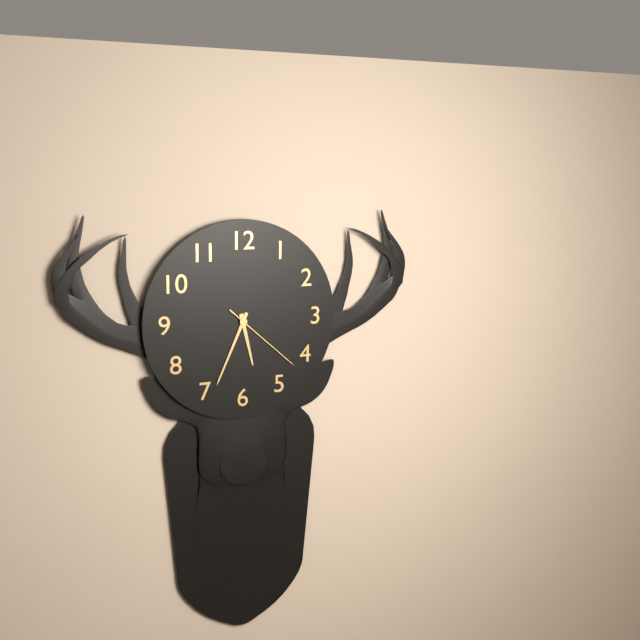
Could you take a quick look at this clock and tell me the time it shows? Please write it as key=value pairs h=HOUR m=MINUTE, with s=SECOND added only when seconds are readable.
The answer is h=5 m=34 s=22
